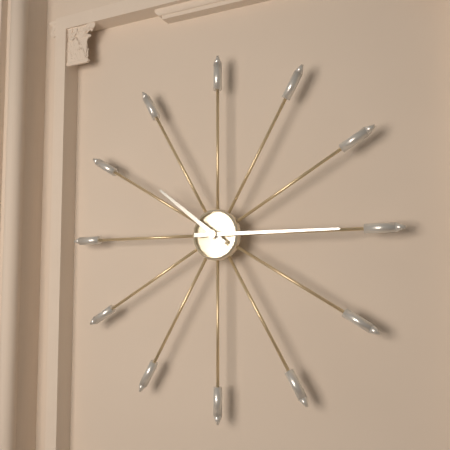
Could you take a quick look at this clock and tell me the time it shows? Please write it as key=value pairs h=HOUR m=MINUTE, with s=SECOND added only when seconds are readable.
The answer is h=10 m=15
